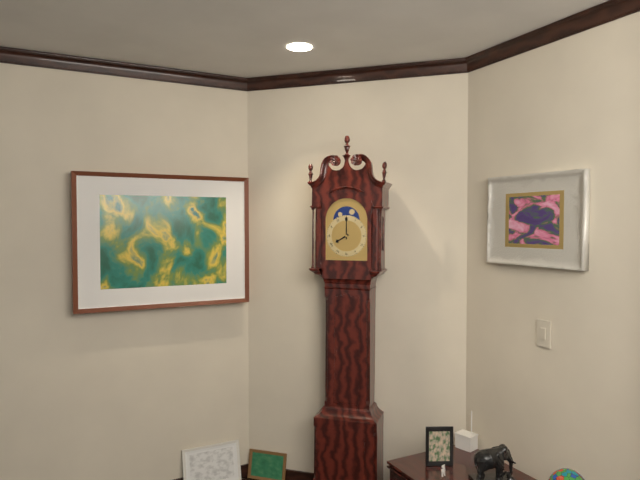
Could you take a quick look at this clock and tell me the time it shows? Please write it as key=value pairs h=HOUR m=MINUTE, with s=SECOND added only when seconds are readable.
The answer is h=8 m=0
